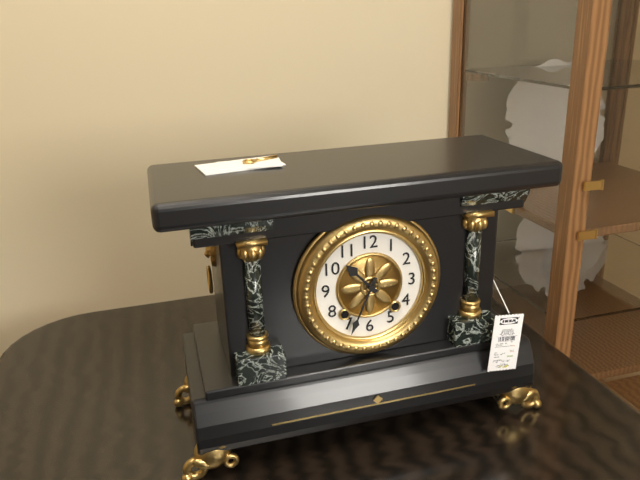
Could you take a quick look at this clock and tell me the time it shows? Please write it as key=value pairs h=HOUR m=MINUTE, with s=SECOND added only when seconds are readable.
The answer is h=10 m=34
